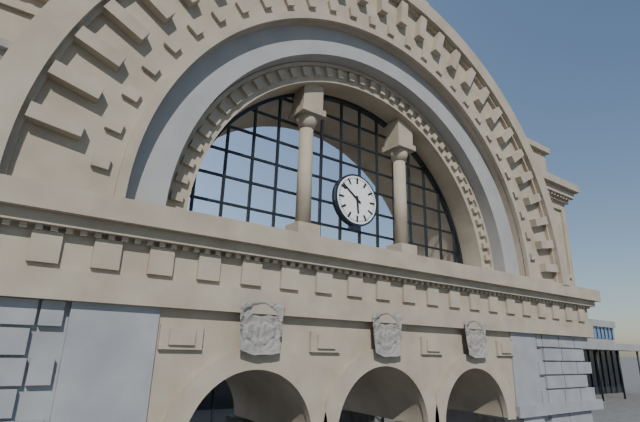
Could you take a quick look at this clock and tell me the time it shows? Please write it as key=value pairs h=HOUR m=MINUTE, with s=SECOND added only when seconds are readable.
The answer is h=5 m=51
